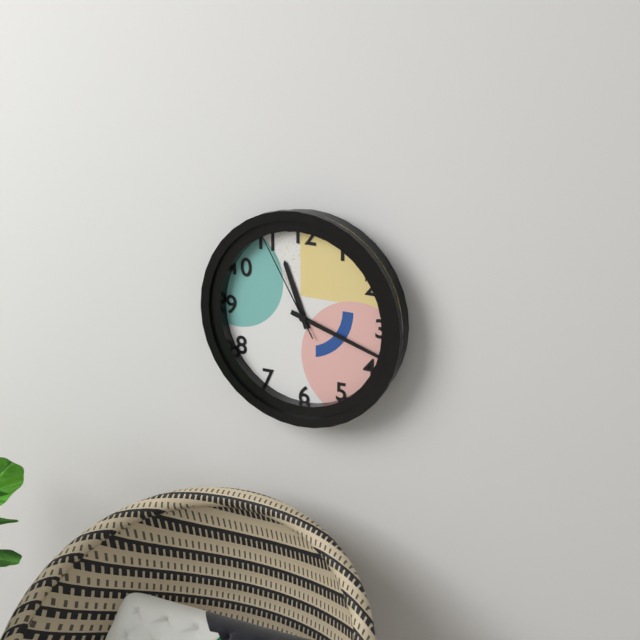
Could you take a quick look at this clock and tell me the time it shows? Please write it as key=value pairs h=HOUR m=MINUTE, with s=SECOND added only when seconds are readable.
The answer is h=11 m=18 s=55
